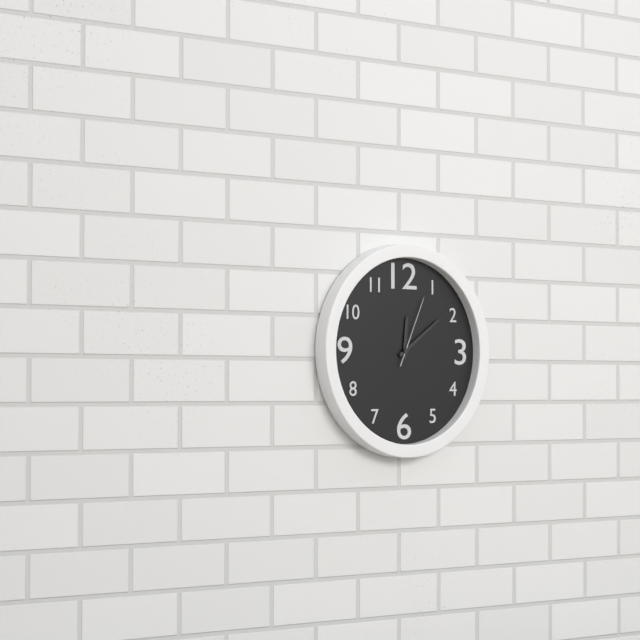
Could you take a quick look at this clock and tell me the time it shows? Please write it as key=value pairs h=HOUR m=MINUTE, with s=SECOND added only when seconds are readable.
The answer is h=12 m=9 s=4
